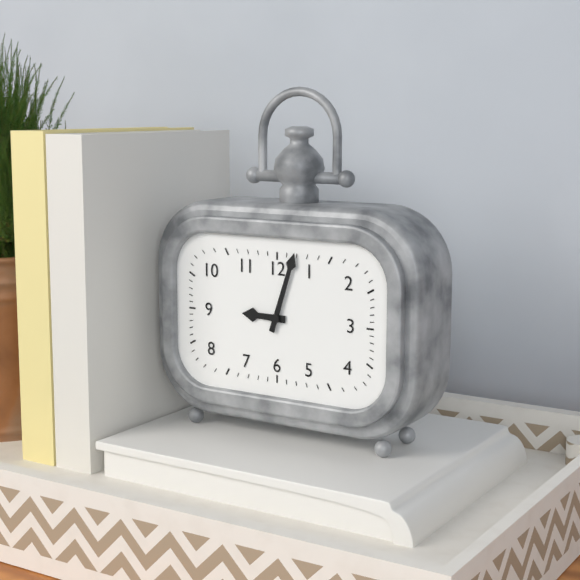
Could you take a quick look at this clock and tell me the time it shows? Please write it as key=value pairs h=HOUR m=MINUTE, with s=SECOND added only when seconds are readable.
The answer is h=9 m=3
